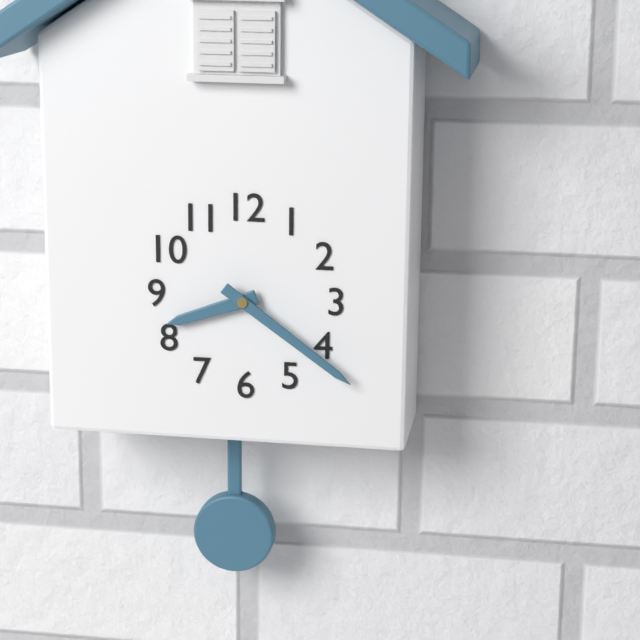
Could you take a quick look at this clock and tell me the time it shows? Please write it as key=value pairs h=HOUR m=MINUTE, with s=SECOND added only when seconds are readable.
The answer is h=8 m=21
